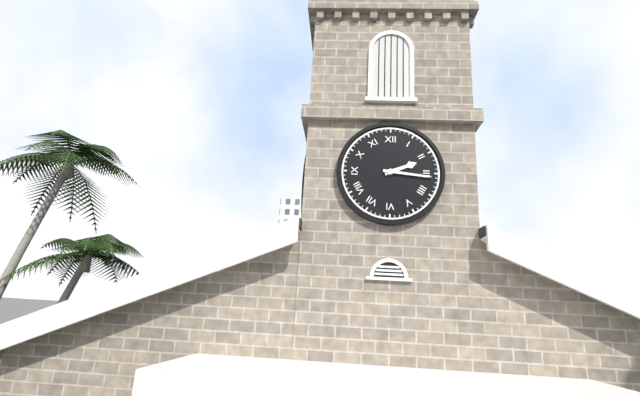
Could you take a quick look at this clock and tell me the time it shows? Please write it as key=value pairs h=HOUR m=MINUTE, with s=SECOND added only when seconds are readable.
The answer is h=2 m=16
